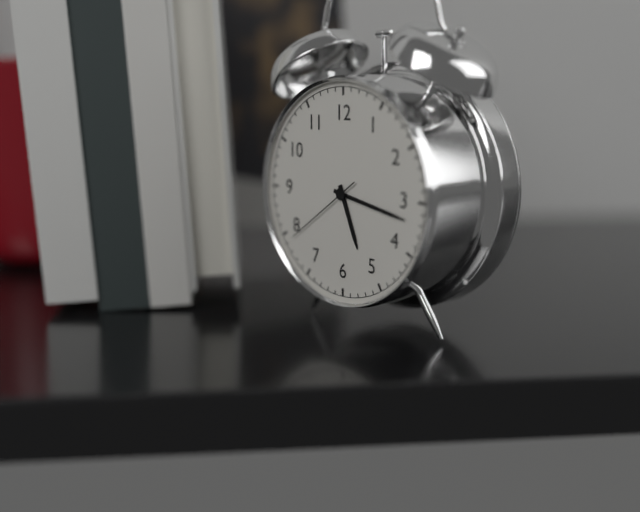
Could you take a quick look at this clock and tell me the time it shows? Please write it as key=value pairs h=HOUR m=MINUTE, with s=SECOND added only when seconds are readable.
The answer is h=5 m=17 s=39
